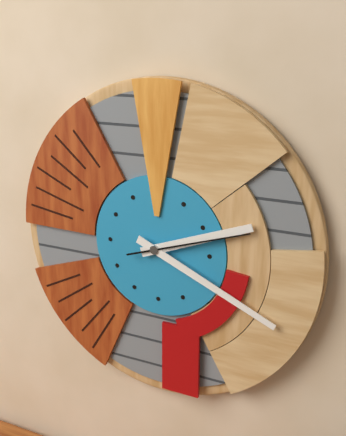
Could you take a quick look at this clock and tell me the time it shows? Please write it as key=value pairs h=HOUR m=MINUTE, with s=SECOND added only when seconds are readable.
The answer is h=2 m=19 s=12
